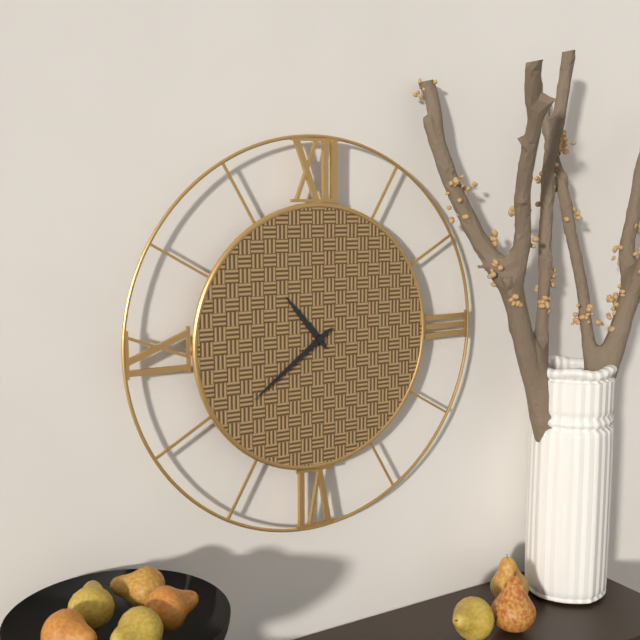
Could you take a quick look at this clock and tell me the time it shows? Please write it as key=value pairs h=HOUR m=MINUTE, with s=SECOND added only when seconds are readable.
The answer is h=10 m=39
